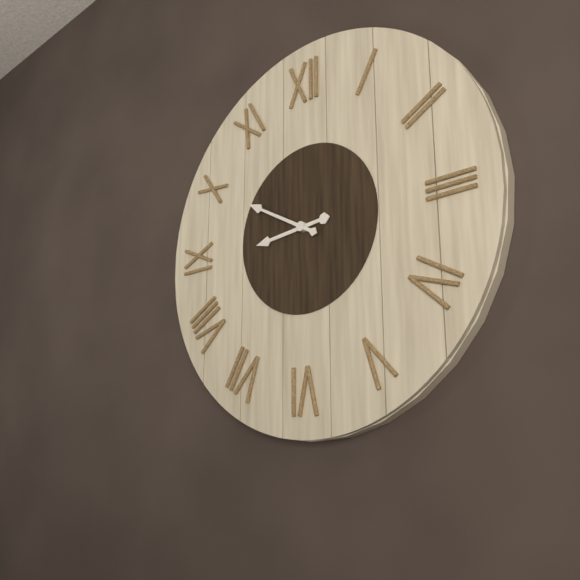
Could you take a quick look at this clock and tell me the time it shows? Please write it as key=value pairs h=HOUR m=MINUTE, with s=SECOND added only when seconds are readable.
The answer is h=8 m=50
